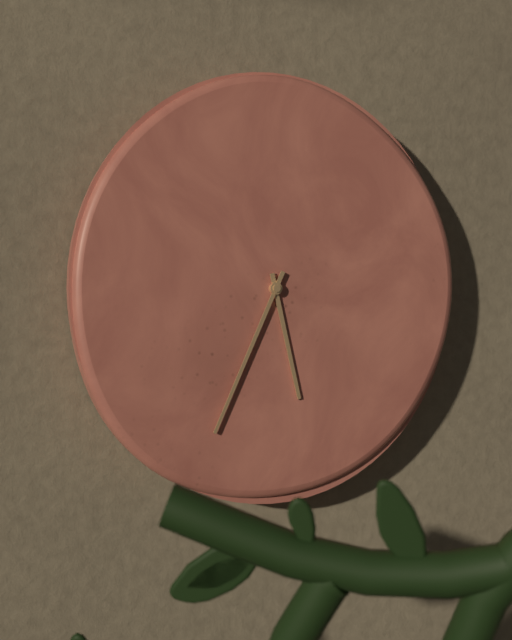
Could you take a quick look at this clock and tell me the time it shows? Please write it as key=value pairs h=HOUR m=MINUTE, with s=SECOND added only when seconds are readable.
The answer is h=5 m=34
